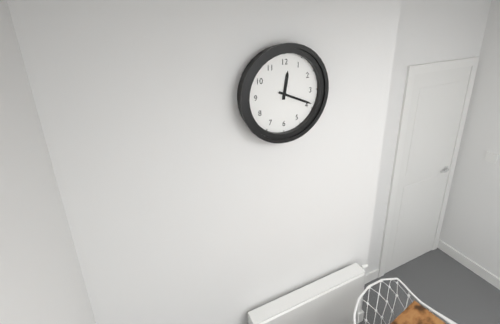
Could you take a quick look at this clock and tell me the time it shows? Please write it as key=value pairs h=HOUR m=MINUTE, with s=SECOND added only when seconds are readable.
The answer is h=12 m=19
